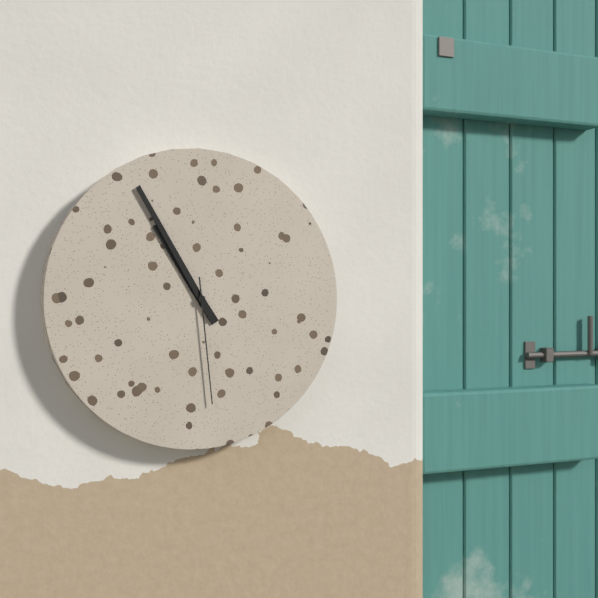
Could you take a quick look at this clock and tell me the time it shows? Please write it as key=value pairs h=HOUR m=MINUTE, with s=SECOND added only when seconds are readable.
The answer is h=10 m=55 s=29
